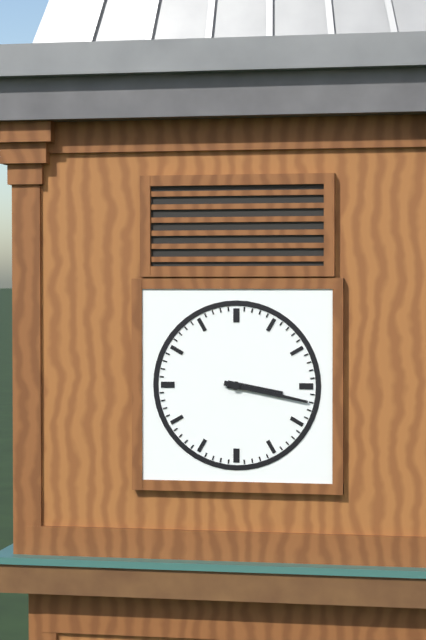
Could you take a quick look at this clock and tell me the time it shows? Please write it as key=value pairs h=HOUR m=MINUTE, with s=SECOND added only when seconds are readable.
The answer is h=3 m=17
